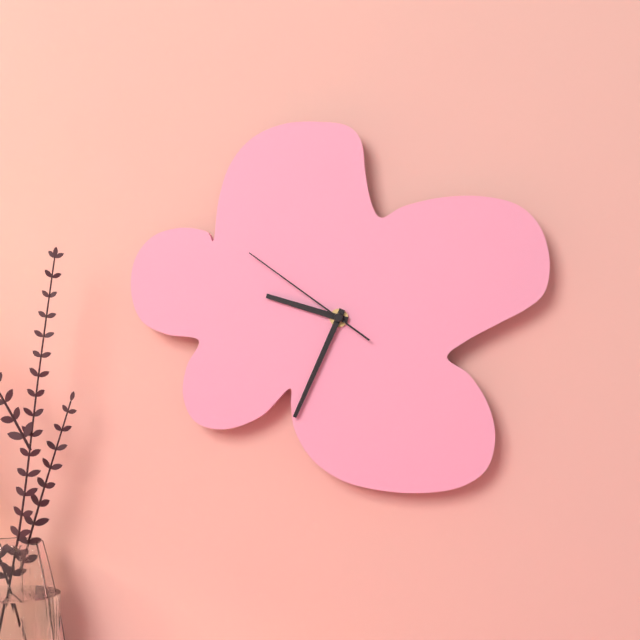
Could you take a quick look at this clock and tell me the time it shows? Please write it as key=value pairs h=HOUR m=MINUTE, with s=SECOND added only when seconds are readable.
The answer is h=9 m=34 s=51
